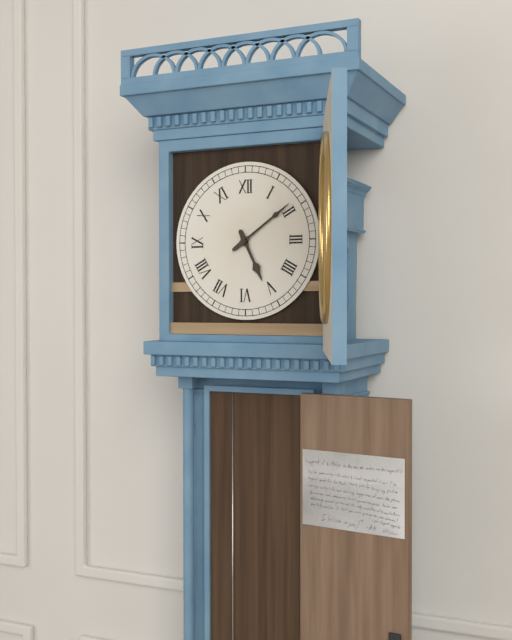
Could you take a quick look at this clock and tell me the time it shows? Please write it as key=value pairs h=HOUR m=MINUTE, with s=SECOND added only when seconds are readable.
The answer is h=5 m=9
